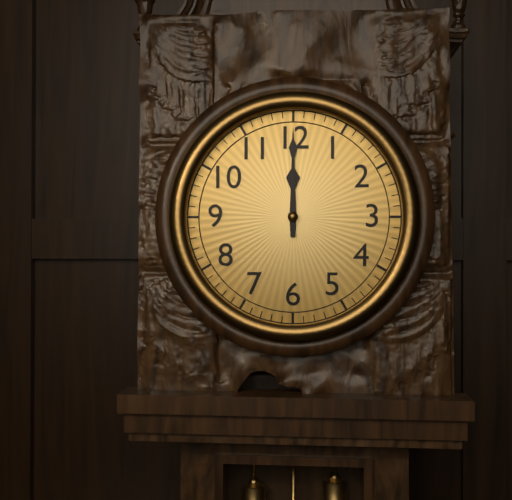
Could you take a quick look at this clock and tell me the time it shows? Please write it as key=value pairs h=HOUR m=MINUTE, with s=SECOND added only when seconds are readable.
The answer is h=12 m=0
